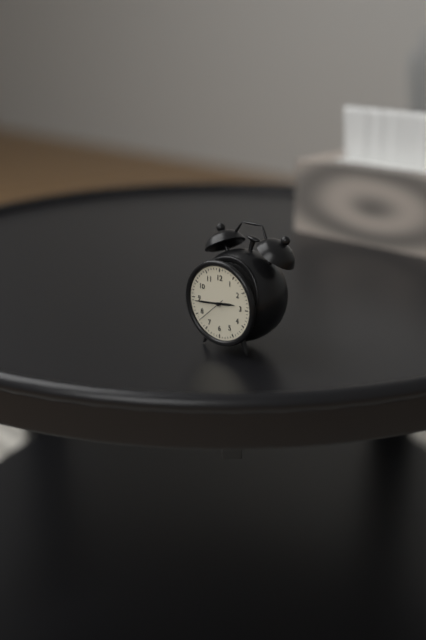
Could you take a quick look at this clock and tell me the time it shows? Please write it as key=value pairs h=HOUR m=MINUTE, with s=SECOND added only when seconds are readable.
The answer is h=2 m=44
